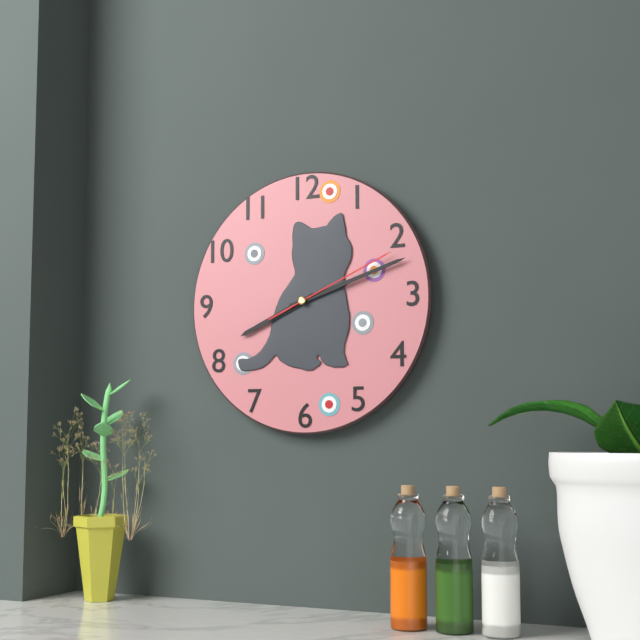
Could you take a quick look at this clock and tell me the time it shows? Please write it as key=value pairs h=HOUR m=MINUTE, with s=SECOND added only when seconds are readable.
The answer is h=8 m=12 s=11
